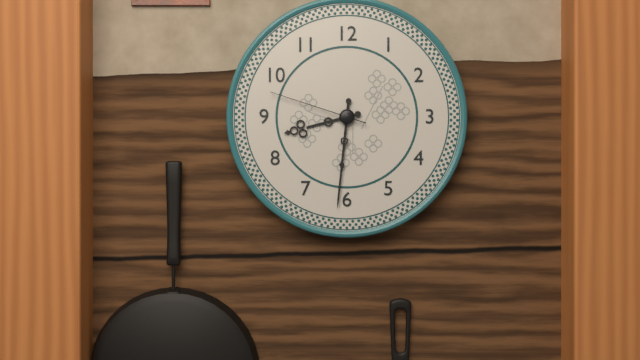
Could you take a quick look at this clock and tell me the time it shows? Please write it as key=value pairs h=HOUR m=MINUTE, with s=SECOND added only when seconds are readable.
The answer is h=8 m=31 s=48
